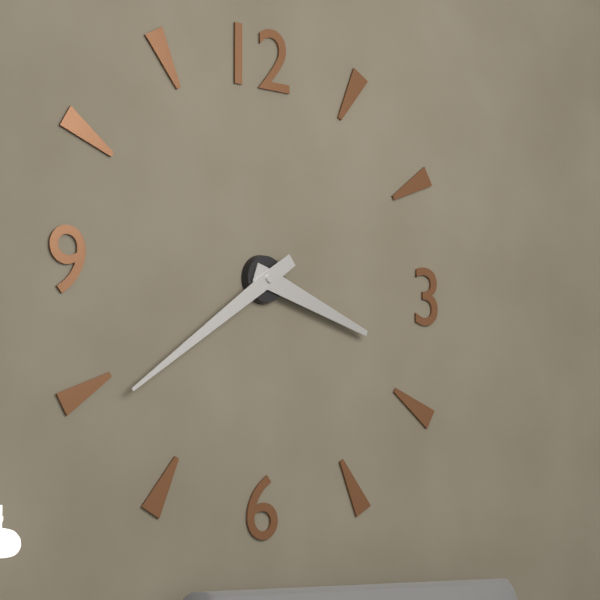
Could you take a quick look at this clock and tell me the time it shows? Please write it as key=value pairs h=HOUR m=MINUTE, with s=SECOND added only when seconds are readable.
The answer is h=3 m=39
